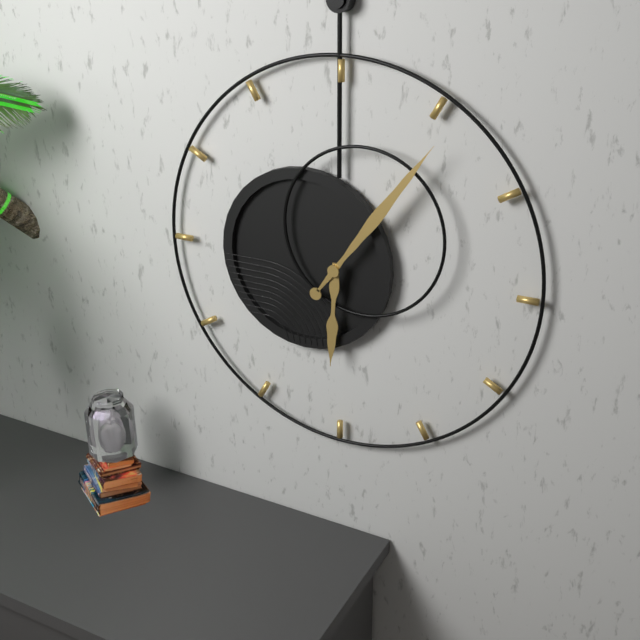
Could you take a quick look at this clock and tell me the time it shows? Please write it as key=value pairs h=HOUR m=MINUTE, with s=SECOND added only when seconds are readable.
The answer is h=6 m=6
